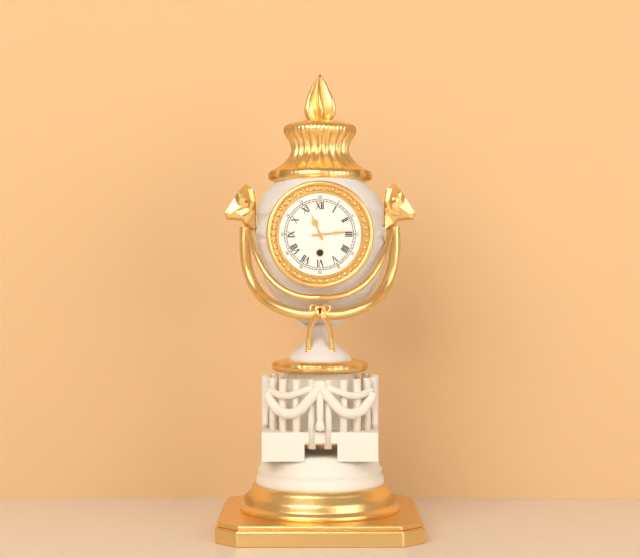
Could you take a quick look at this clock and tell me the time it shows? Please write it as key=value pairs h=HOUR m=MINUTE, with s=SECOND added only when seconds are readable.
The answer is h=11 m=14
